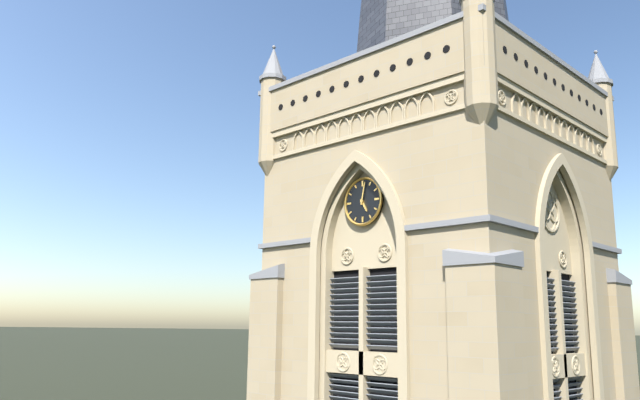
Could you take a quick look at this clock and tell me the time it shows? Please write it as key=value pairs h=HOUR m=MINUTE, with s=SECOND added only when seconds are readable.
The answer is h=5 m=2
